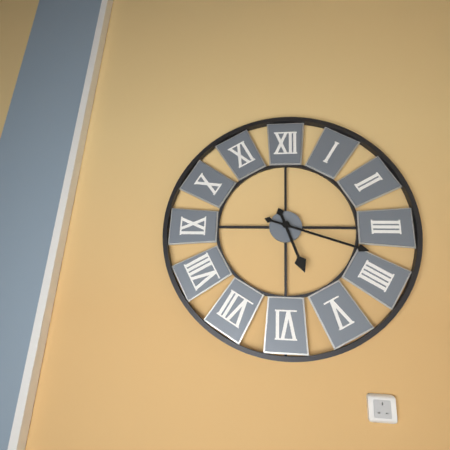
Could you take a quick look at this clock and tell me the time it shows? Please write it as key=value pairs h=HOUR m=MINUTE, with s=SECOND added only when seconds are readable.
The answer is h=5 m=18
